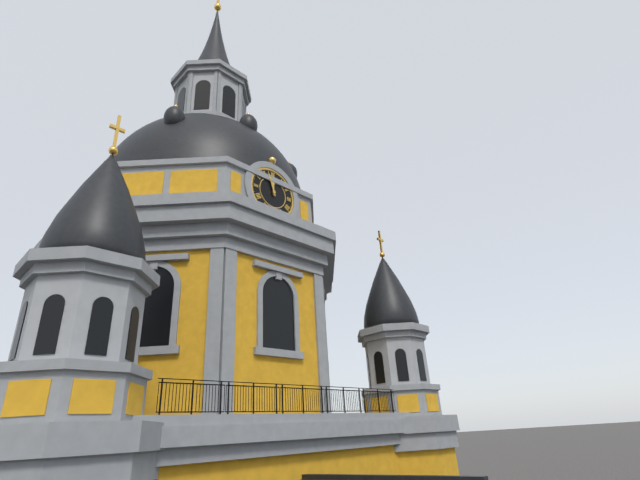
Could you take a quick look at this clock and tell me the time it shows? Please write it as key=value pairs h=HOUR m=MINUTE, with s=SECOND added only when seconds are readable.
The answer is h=11 m=57
